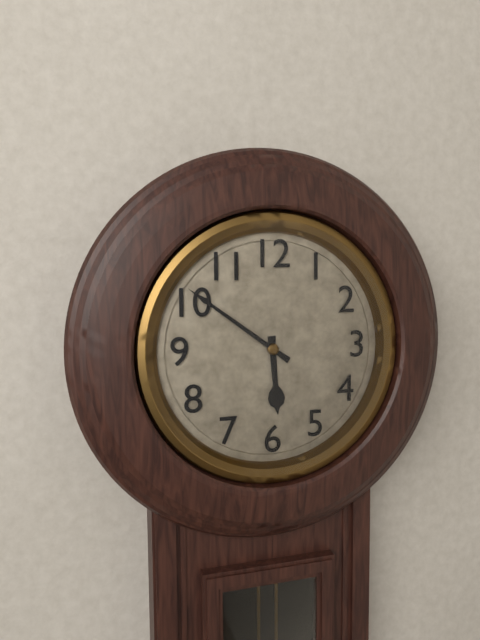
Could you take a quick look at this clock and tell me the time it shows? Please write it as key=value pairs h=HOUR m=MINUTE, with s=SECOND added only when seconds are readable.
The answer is h=5 m=51
